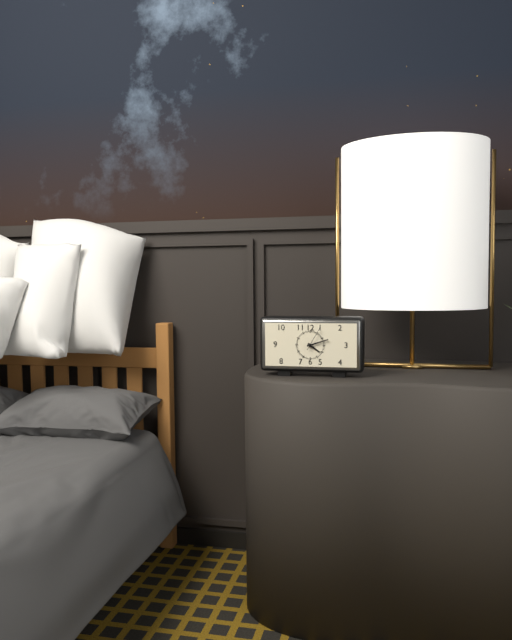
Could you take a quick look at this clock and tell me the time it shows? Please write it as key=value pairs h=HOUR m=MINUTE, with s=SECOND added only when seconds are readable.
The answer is h=4 m=12
